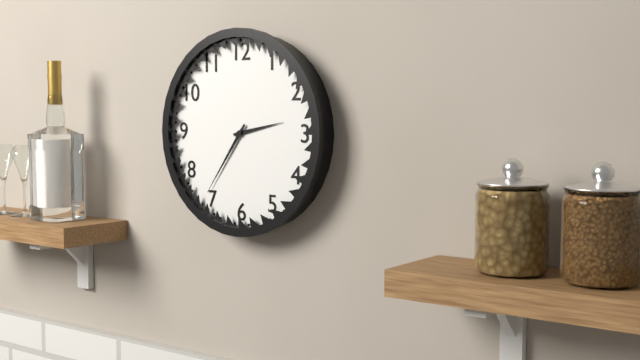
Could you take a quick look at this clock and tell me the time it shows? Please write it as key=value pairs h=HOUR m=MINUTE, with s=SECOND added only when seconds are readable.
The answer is h=2 m=36
